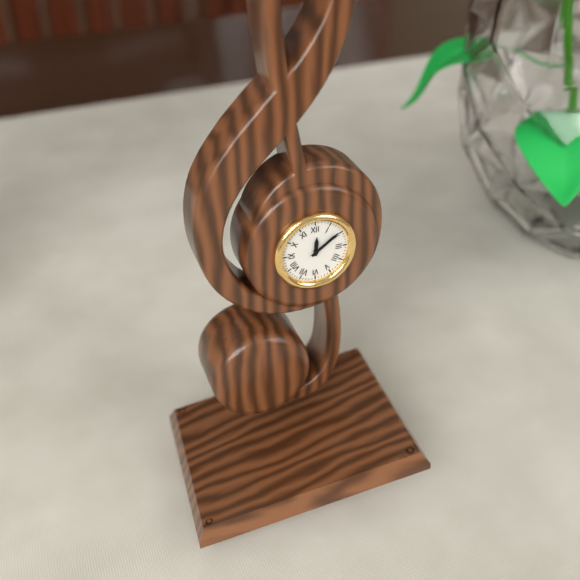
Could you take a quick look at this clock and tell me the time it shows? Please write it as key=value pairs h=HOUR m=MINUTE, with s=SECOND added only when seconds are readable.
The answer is h=12 m=9
